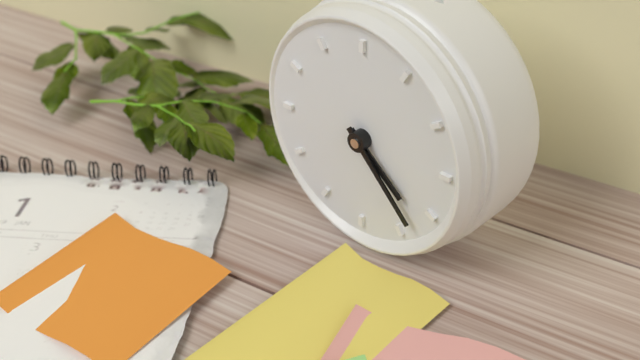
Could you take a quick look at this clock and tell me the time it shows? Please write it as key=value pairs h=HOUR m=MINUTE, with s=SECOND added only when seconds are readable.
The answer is h=4 m=23
